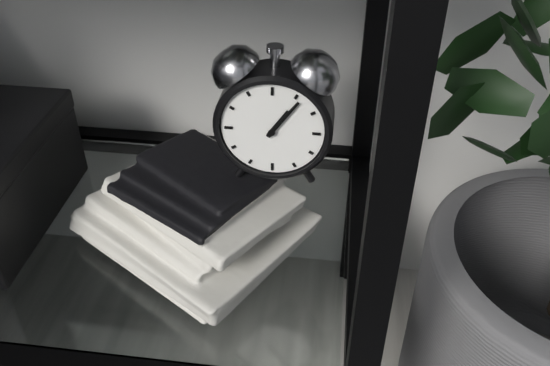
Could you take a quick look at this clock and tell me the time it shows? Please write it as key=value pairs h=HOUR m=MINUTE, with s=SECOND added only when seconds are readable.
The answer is h=1 m=6
